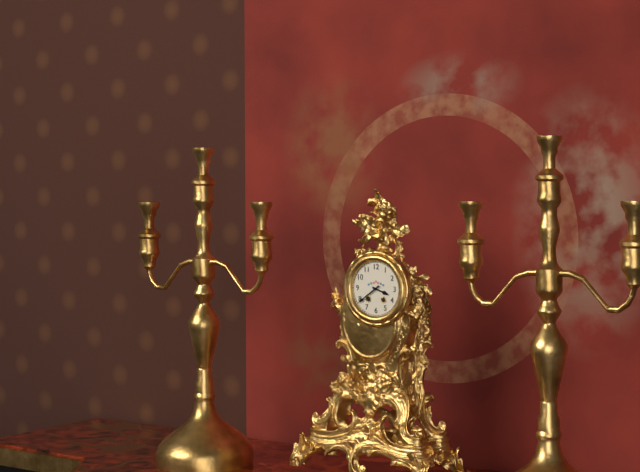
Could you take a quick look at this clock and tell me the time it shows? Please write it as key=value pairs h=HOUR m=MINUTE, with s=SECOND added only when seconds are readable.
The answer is h=3 m=39
